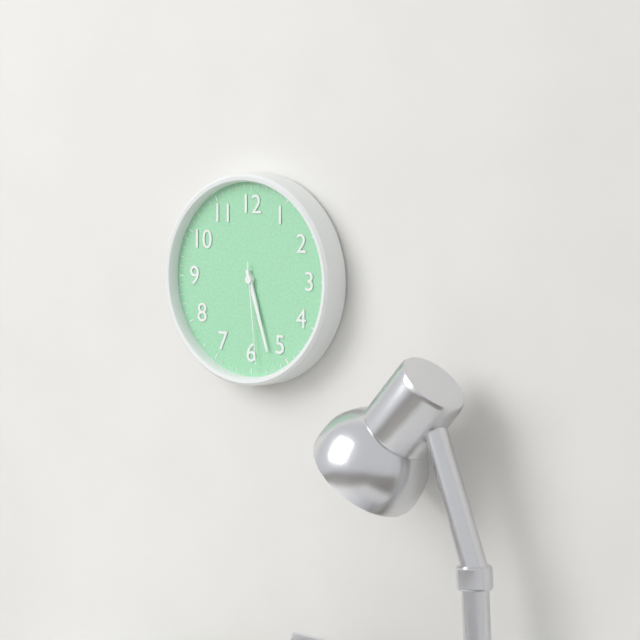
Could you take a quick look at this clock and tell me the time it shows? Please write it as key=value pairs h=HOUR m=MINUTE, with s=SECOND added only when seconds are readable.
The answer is h=5 m=27 s=29
